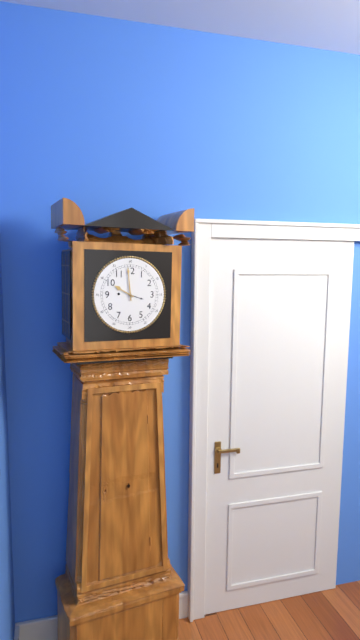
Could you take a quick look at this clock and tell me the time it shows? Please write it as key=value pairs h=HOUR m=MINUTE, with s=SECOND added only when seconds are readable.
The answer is h=9 m=59
